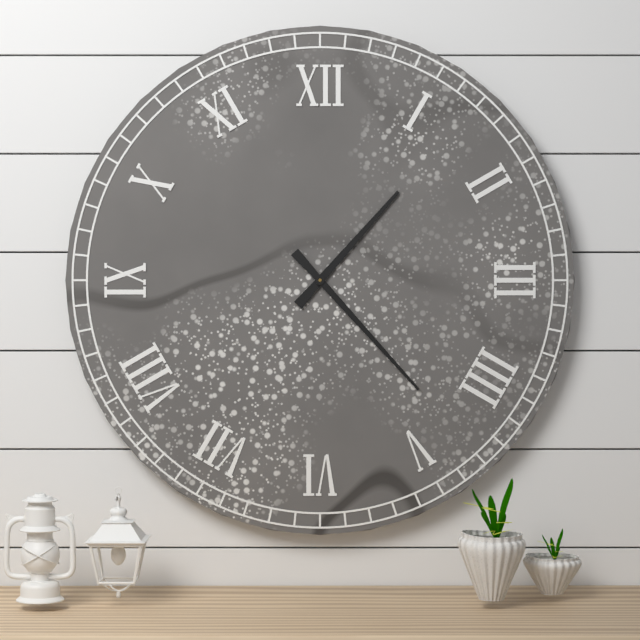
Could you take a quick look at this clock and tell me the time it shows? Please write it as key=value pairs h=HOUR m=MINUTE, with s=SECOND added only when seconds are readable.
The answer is h=1 m=23
